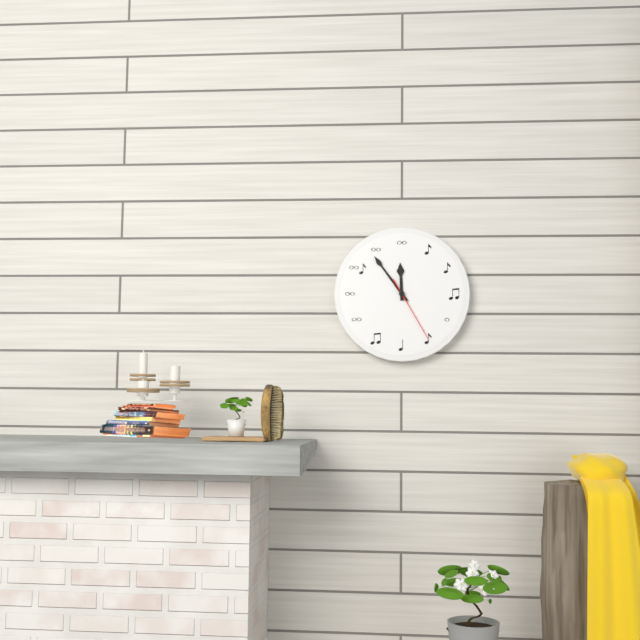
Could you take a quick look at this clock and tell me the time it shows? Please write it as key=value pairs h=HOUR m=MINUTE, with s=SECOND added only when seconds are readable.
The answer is h=11 m=54 s=25
